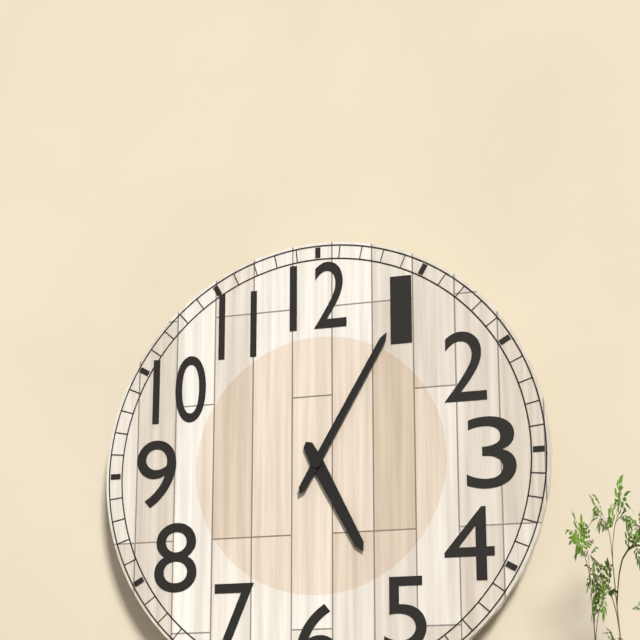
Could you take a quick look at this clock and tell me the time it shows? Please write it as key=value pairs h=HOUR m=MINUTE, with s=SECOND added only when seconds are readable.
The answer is h=5 m=5
